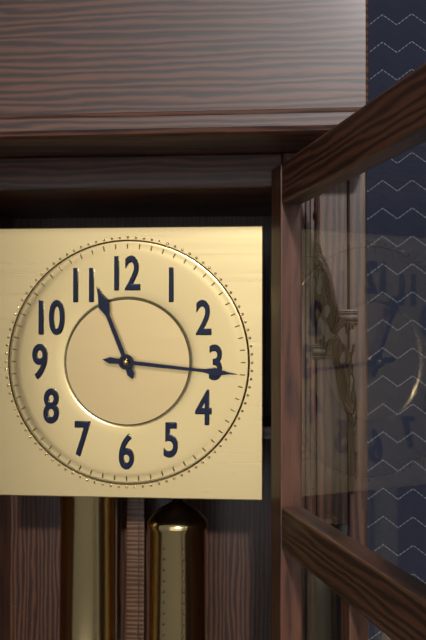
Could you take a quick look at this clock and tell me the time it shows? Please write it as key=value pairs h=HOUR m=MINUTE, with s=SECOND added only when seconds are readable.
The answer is h=11 m=16
